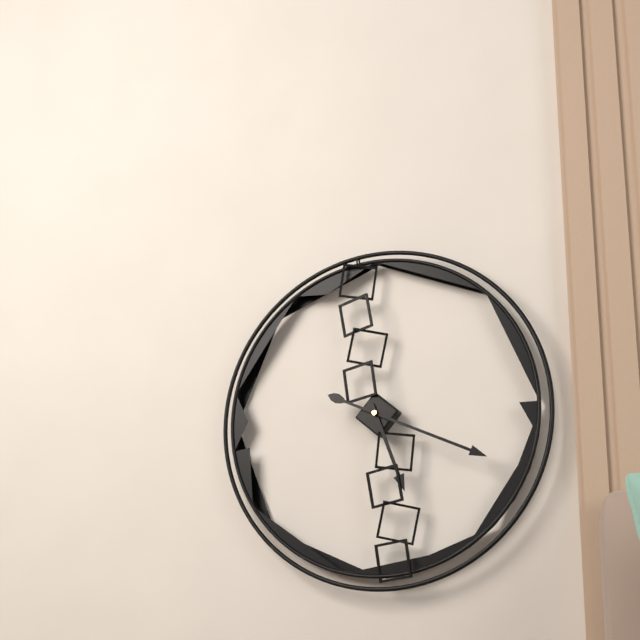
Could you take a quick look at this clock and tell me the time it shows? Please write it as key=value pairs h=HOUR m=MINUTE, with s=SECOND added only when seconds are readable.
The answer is h=5 m=19
